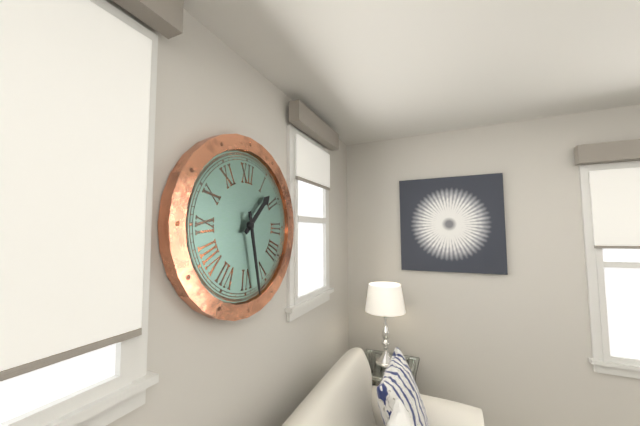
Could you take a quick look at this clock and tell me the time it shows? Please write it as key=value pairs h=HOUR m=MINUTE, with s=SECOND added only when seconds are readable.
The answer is h=1 m=28
